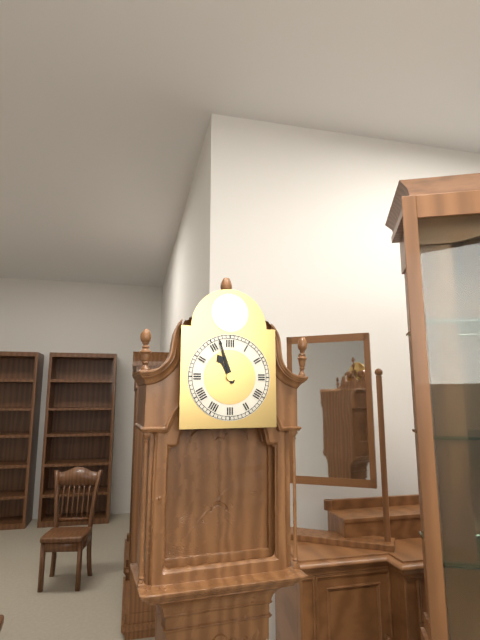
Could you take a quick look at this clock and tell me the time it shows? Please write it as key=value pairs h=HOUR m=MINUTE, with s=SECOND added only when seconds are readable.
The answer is h=10 m=57
